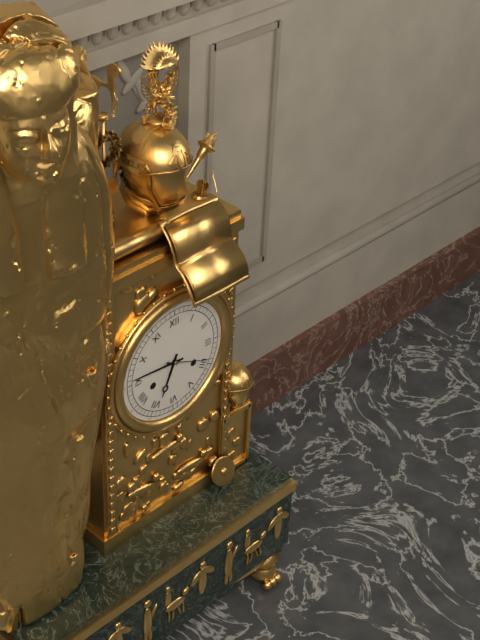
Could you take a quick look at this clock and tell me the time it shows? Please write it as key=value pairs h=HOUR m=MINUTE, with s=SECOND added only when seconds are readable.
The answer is h=6 m=46 s=19
